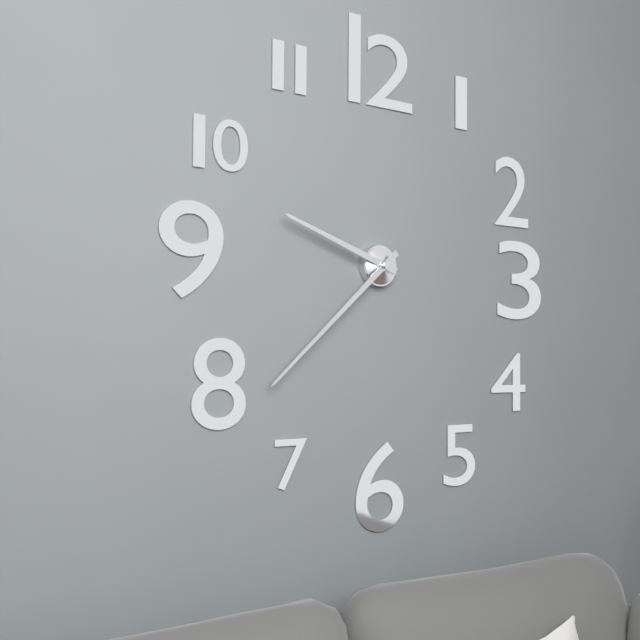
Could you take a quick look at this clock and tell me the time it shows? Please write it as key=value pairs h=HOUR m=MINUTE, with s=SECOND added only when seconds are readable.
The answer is h=9 m=38
